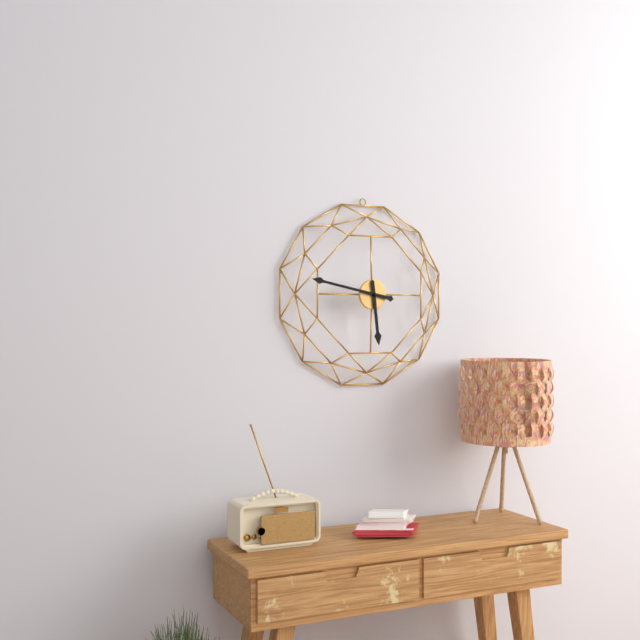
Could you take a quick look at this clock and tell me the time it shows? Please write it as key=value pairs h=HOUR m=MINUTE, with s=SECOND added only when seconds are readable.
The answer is h=5 m=47
